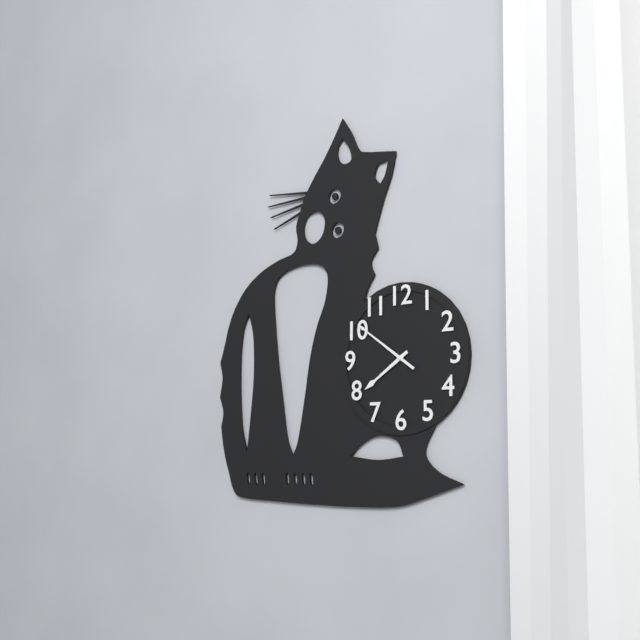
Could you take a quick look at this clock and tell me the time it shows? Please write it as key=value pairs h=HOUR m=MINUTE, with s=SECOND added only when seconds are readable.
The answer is h=7 m=51
